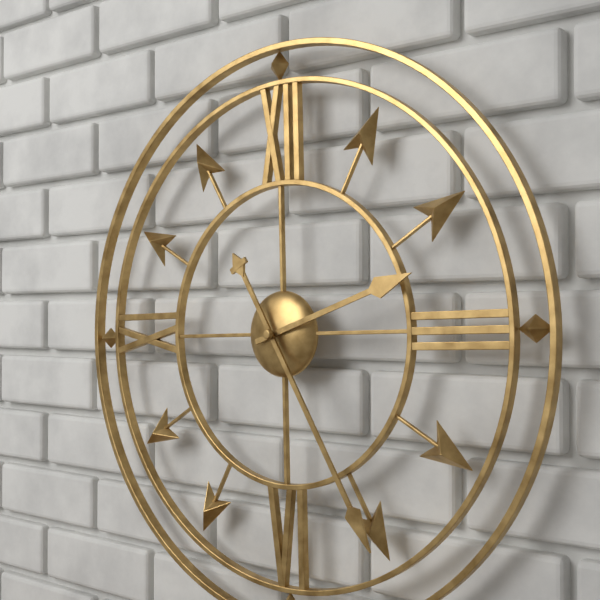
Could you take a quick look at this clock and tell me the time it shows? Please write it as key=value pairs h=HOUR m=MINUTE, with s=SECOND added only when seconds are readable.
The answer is h=2 m=25
